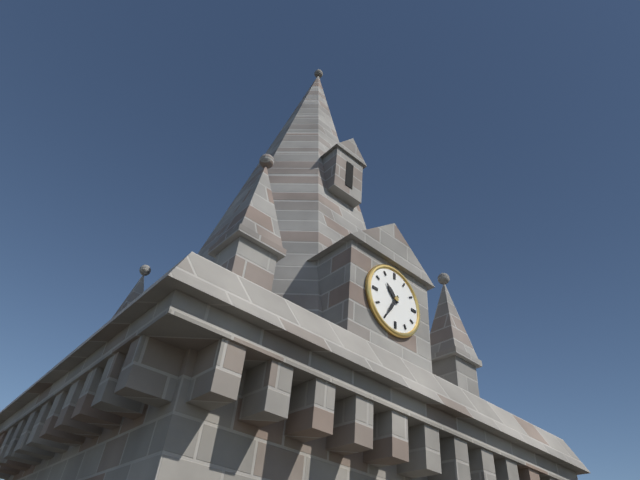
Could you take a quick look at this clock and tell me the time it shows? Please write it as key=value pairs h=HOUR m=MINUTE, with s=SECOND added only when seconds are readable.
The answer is h=10 m=35
